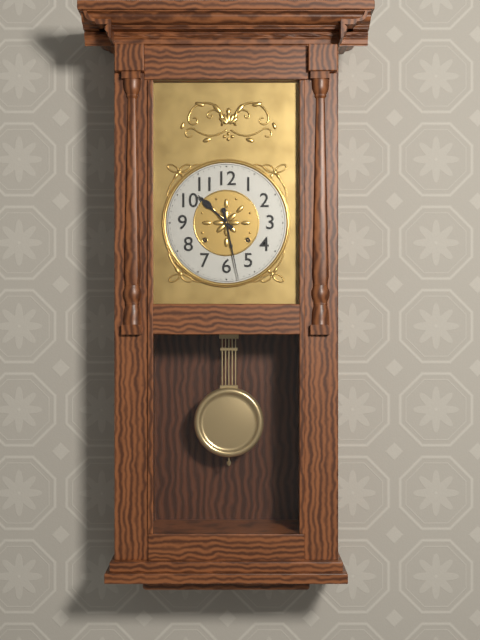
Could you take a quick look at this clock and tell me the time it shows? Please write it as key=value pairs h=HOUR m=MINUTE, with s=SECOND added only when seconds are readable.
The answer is h=10 m=28
